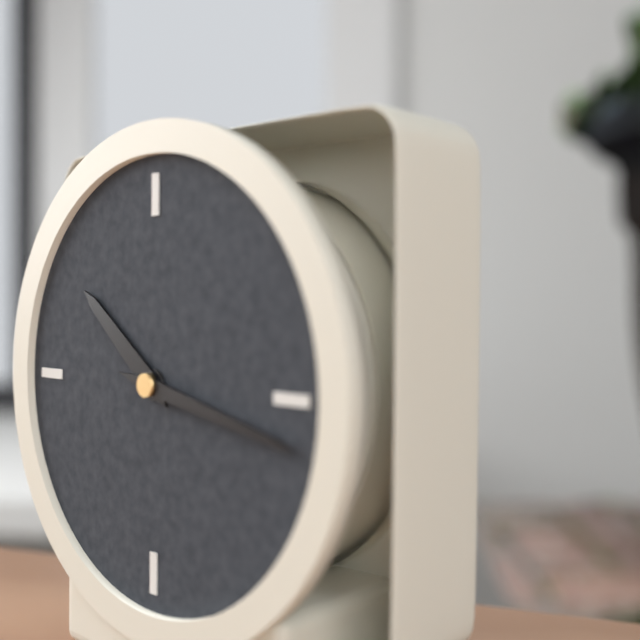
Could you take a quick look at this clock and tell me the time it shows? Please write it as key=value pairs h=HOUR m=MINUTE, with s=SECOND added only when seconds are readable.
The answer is h=10 m=17
